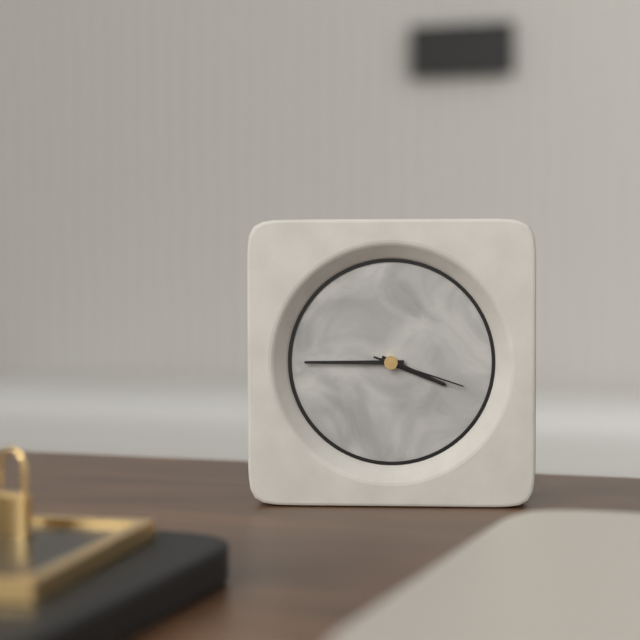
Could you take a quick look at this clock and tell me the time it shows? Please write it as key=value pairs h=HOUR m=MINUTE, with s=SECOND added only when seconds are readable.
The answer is h=3 m=45 s=18
